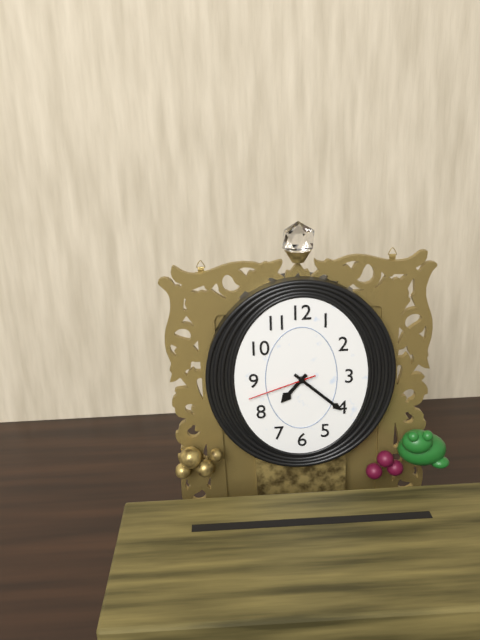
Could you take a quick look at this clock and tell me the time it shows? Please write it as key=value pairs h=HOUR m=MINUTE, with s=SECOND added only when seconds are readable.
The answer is h=7 m=22 s=42
